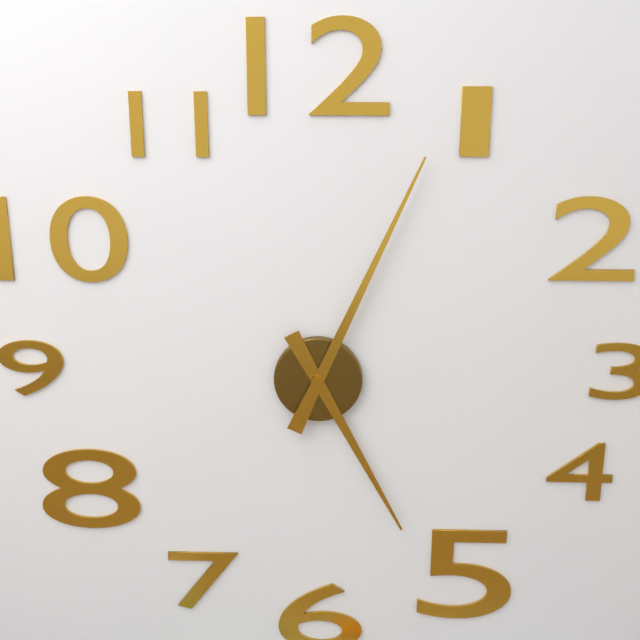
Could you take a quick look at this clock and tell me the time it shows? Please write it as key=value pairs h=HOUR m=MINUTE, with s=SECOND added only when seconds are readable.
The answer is h=5 m=4
